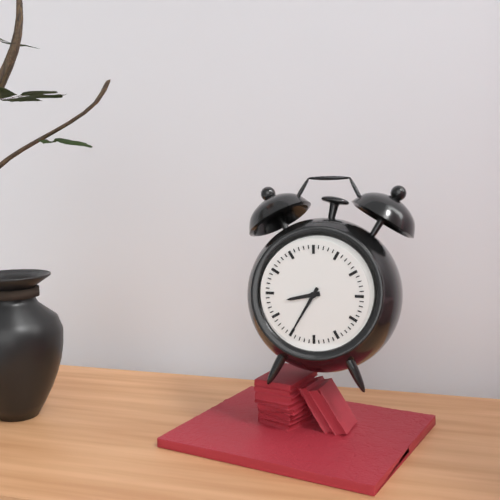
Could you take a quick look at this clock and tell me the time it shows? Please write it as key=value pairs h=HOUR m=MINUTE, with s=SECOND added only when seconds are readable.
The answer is h=8 m=35
